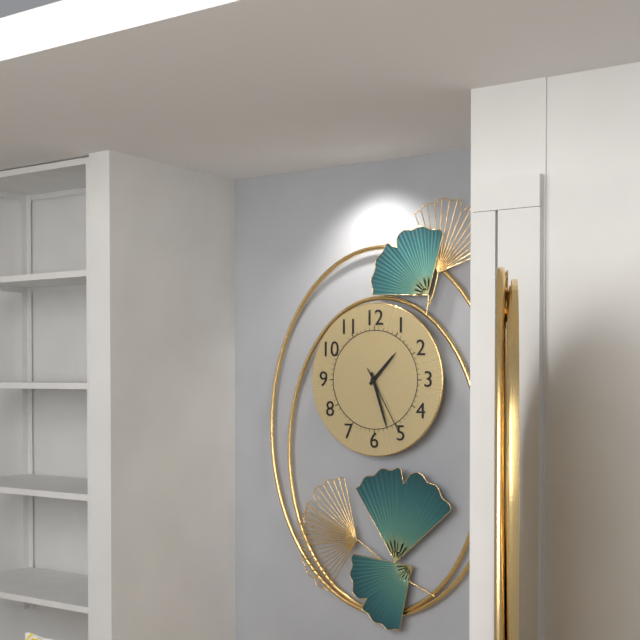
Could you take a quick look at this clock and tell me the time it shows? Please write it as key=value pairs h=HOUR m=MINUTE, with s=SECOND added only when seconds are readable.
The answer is h=1 m=27 s=25
